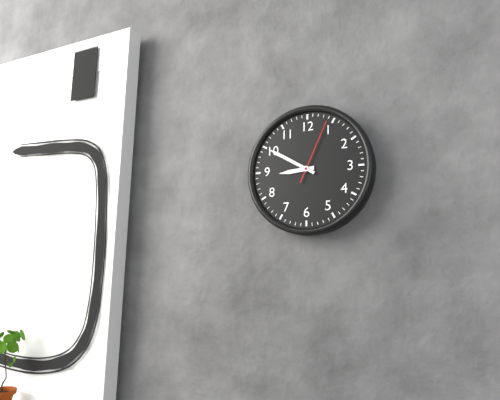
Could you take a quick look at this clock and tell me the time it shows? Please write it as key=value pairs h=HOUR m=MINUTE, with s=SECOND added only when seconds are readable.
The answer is h=8 m=50 s=4
